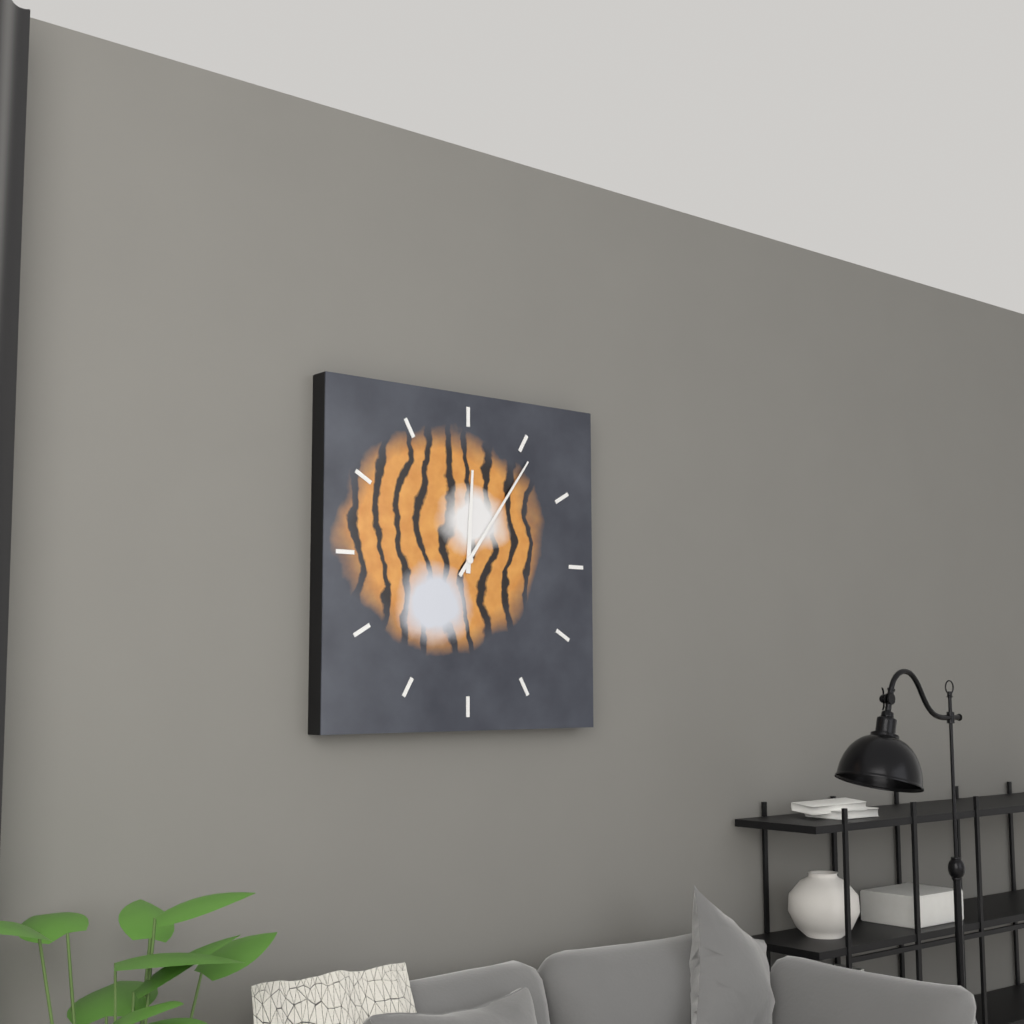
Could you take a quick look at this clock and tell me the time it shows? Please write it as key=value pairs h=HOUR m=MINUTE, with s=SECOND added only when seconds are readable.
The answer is h=12 m=6
